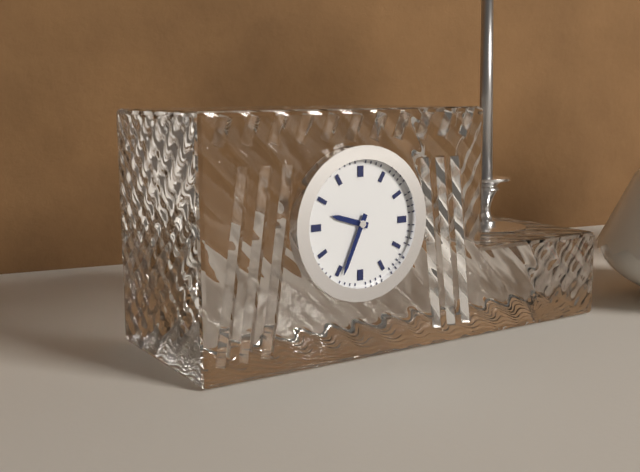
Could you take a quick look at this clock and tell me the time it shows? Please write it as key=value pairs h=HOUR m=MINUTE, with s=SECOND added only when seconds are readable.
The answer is h=9 m=34
